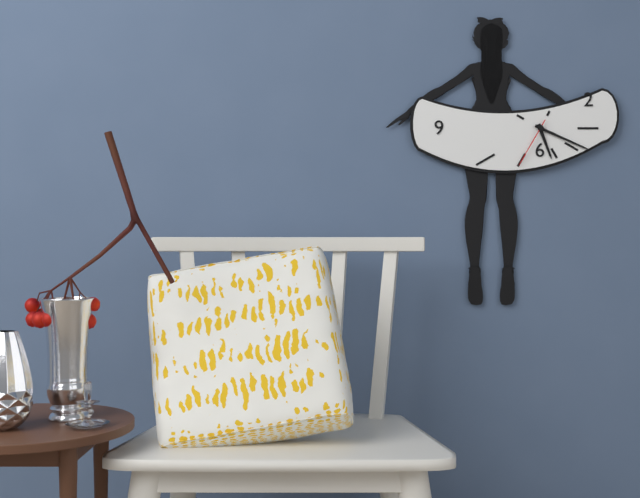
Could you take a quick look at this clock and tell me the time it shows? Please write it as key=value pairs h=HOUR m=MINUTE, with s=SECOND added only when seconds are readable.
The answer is h=5 m=19 s=35
